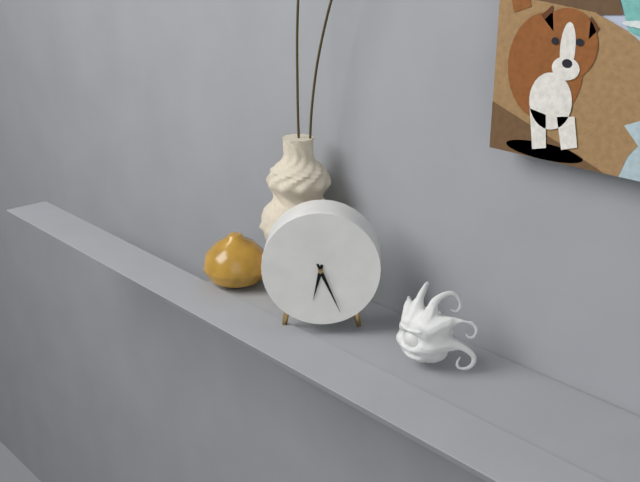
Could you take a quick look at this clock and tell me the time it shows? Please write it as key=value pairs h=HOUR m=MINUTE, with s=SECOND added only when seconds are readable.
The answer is h=6 m=26
